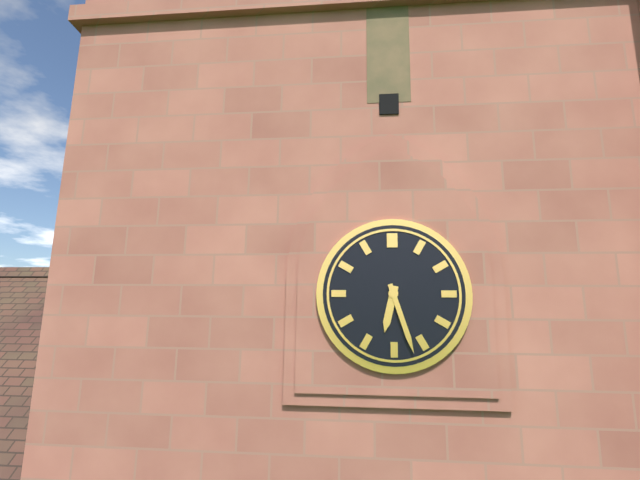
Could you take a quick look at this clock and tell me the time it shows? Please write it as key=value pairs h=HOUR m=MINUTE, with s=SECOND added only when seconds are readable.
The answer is h=6 m=27
